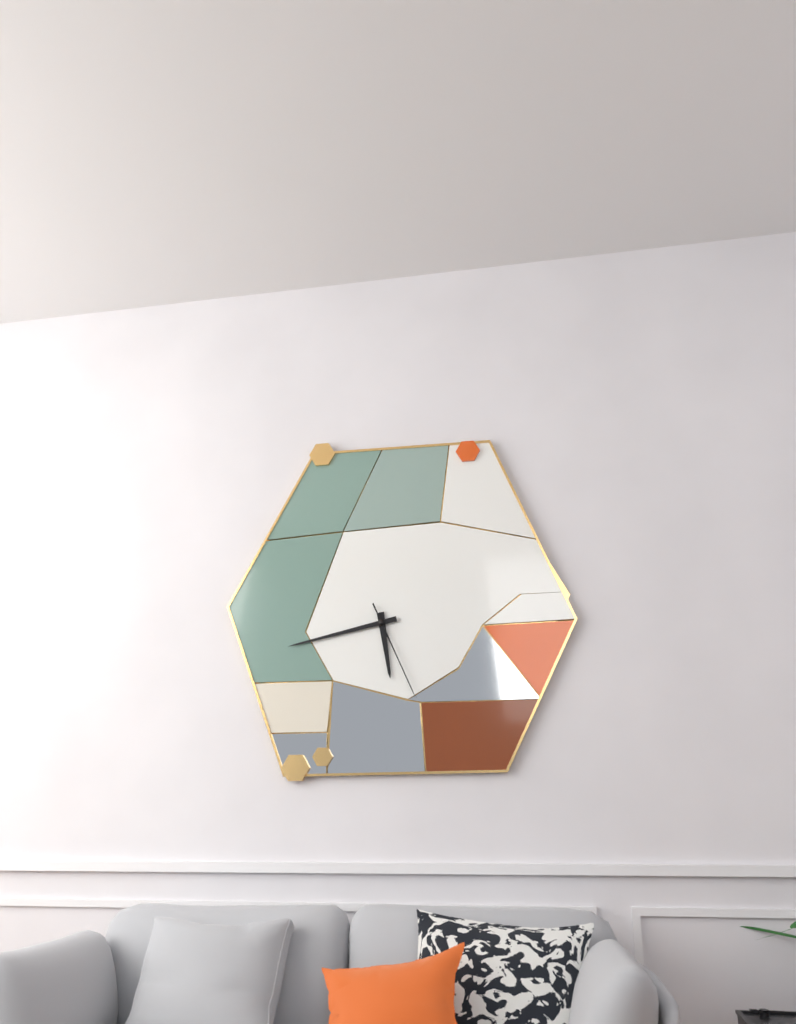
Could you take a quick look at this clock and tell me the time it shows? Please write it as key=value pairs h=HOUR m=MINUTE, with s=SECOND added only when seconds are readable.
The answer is h=5 m=43 s=26
